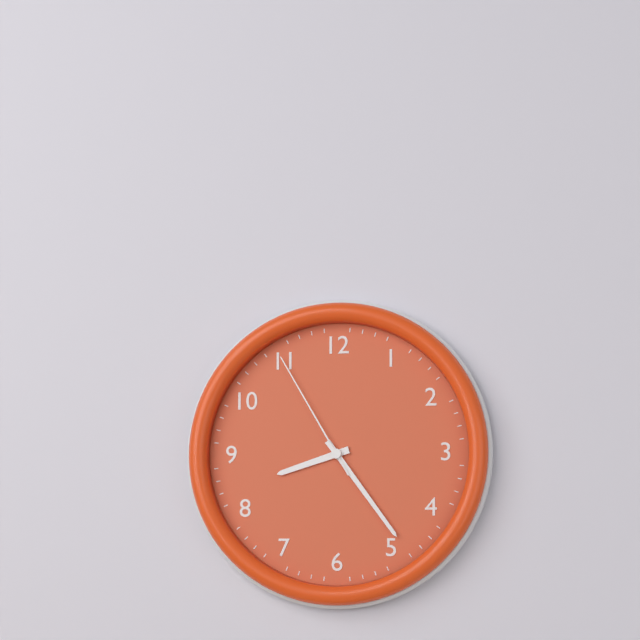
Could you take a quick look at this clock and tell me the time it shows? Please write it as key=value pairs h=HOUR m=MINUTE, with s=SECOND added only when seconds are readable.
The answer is h=8 m=24 s=55
